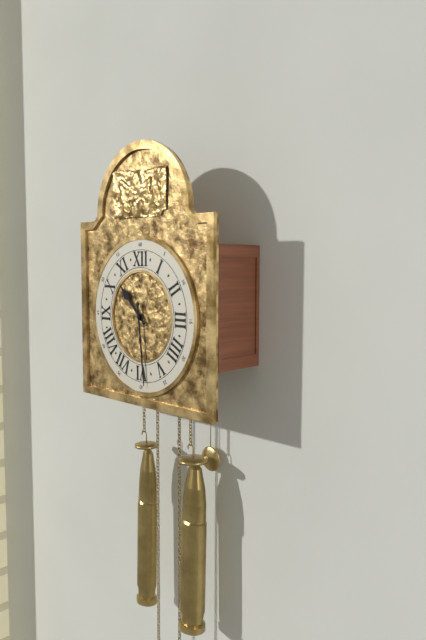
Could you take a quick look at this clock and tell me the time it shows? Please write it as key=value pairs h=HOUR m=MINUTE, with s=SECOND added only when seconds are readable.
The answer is h=10 m=29
